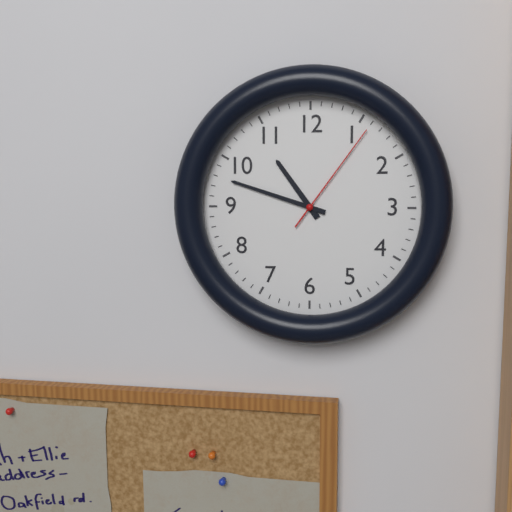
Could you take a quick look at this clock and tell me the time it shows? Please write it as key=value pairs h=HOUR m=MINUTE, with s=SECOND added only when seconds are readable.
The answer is h=10 m=48 s=6
